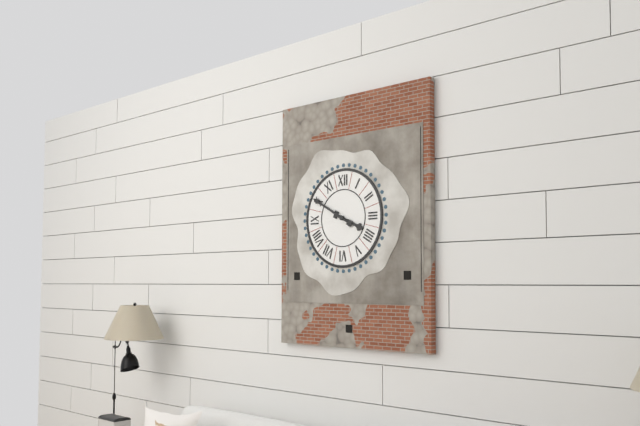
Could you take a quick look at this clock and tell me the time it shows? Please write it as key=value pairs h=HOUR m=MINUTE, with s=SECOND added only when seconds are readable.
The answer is h=3 m=50
